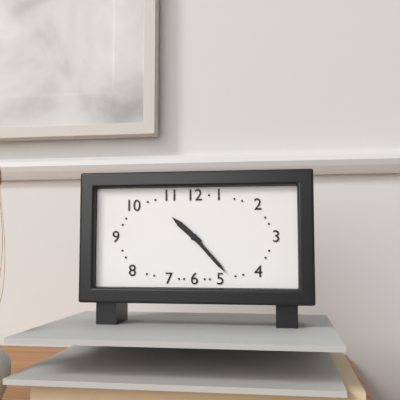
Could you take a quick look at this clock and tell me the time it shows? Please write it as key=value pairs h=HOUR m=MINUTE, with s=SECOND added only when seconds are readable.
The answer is h=10 m=23
